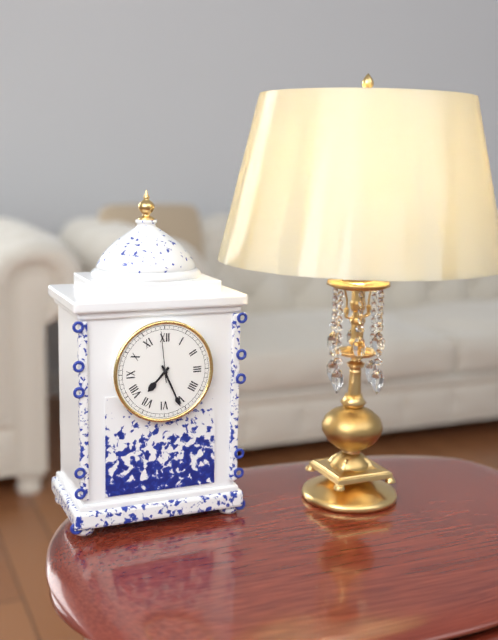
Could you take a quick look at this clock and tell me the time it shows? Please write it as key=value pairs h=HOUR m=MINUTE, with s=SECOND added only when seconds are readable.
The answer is h=7 m=26 s=59
